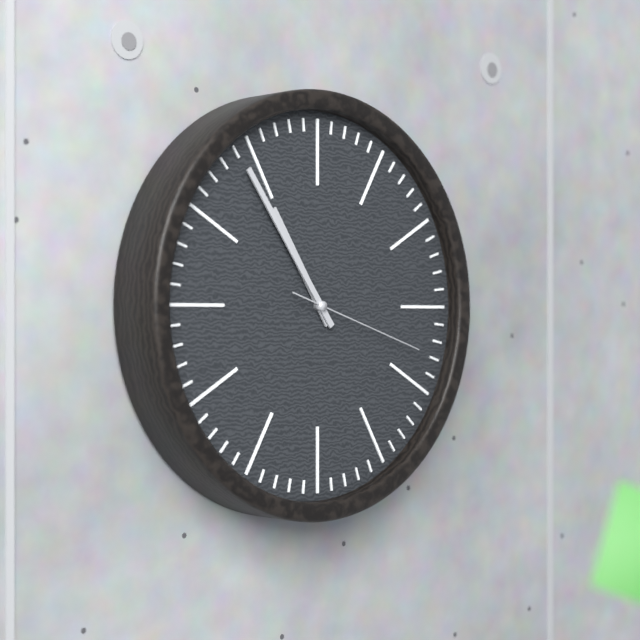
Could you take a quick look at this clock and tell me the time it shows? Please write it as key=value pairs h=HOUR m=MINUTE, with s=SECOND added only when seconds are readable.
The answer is h=10 m=54 s=18
